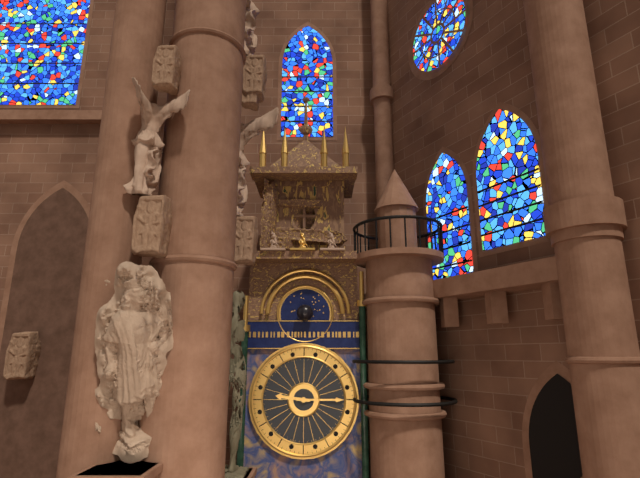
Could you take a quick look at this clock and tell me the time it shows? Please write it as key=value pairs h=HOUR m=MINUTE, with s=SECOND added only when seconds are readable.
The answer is h=9 m=15
